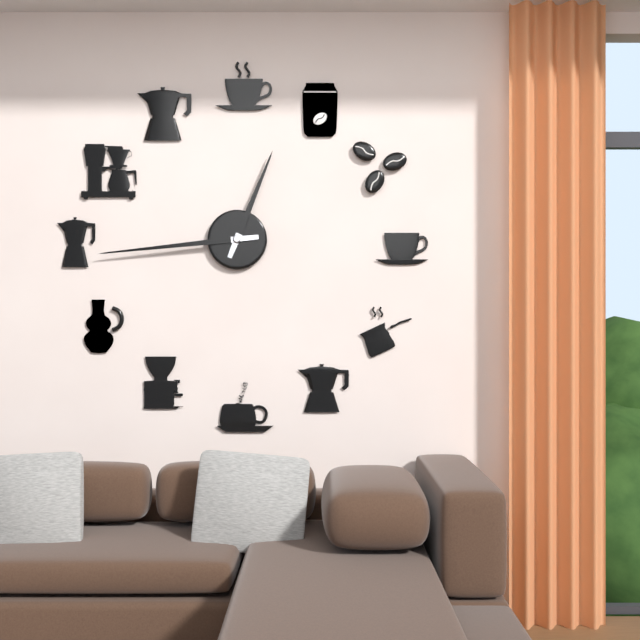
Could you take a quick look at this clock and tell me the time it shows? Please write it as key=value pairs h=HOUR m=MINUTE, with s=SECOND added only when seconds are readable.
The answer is h=12 m=44
